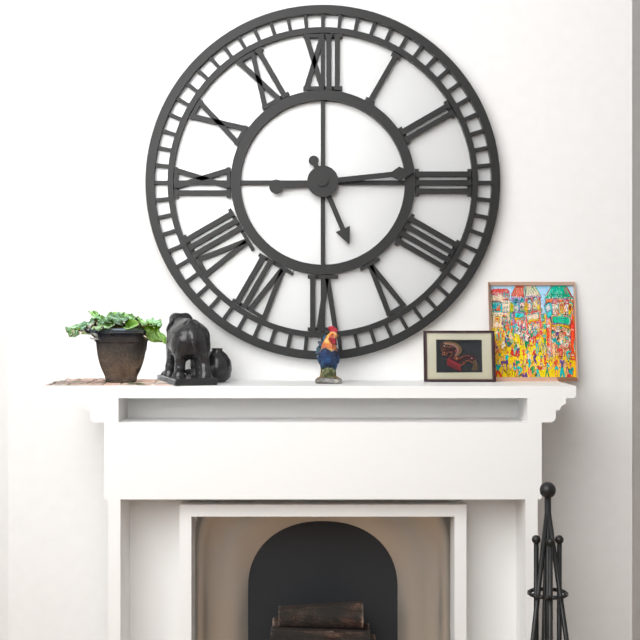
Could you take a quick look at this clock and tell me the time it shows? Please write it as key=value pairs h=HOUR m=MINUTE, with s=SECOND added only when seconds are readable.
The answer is h=5 m=14
